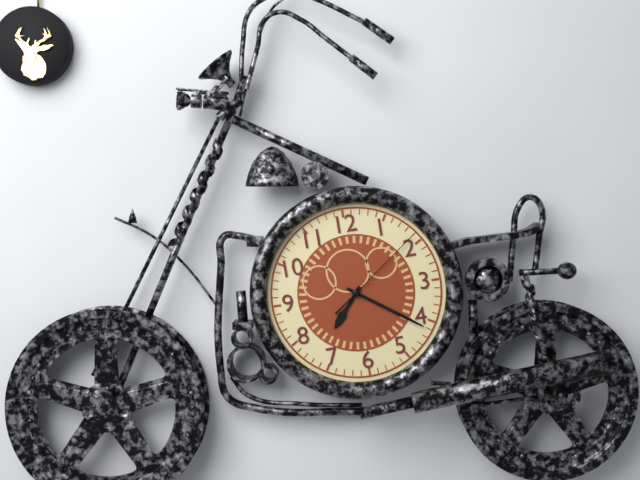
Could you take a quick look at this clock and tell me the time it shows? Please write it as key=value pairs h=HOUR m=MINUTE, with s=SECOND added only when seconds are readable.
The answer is h=7 m=21 s=9
